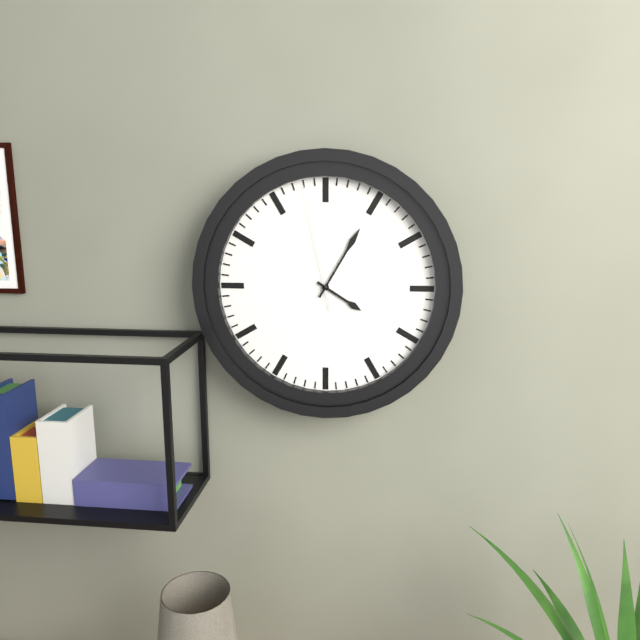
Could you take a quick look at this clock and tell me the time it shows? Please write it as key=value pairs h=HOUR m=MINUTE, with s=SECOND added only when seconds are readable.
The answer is h=4 m=5 s=58
